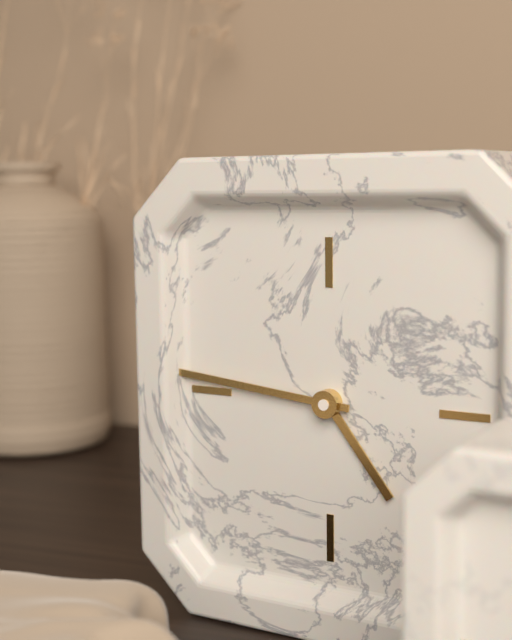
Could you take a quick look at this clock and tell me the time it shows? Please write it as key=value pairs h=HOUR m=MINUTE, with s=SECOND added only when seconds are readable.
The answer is h=4 m=46
